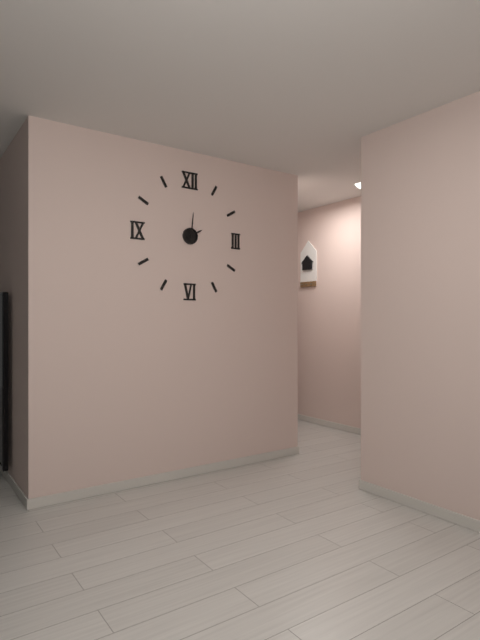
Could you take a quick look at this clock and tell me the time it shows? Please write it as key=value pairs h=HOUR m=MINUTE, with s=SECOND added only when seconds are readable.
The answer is h=2 m=1
